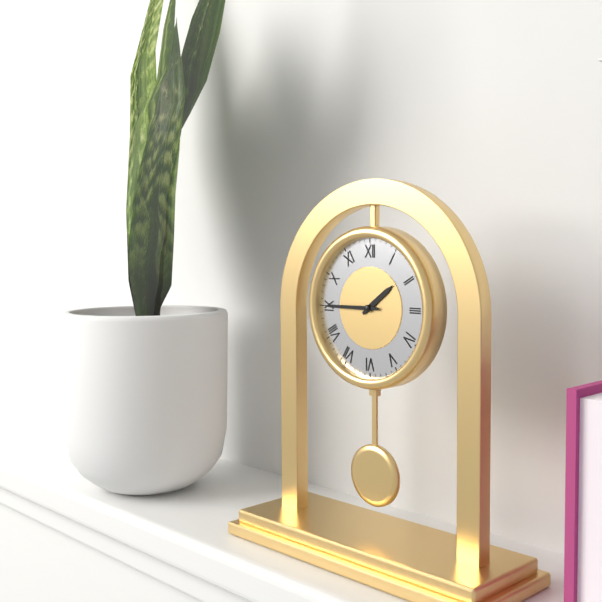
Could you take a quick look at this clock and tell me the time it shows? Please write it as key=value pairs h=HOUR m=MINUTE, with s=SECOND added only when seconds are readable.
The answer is h=1 m=45
